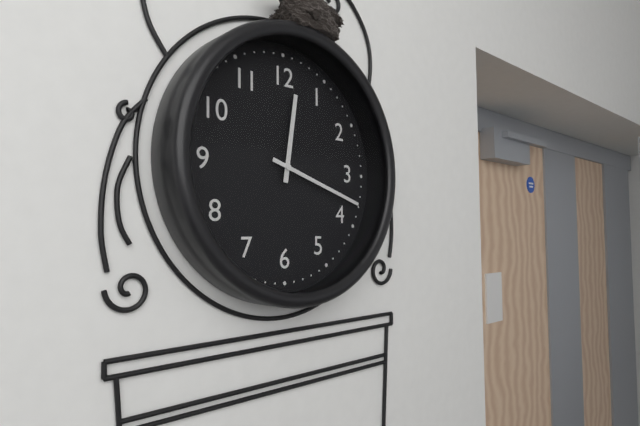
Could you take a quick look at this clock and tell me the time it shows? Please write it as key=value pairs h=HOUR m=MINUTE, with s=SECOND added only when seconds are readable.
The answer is h=12 m=18
